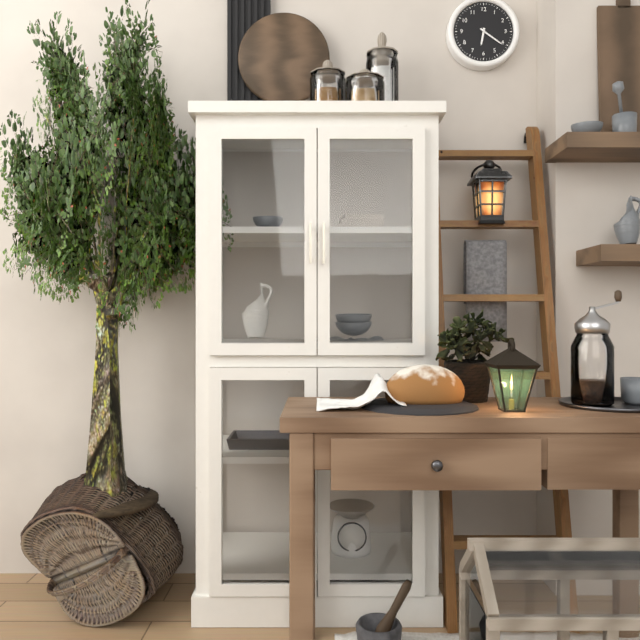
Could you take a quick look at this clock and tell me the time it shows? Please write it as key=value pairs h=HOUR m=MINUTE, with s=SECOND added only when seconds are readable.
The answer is h=6 m=21
